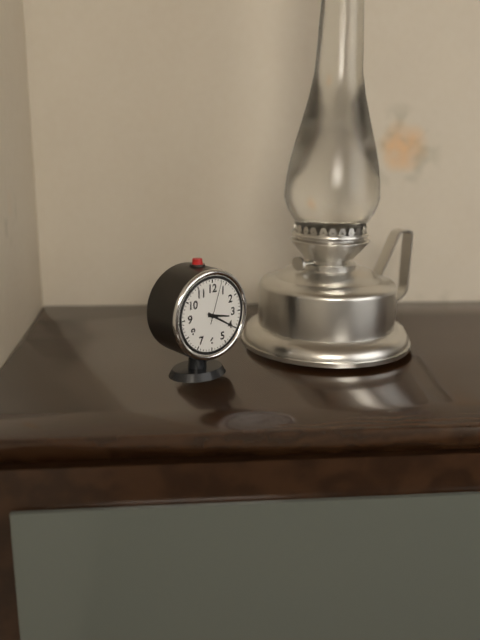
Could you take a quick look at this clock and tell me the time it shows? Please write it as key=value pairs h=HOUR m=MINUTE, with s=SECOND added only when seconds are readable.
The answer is h=3 m=20
